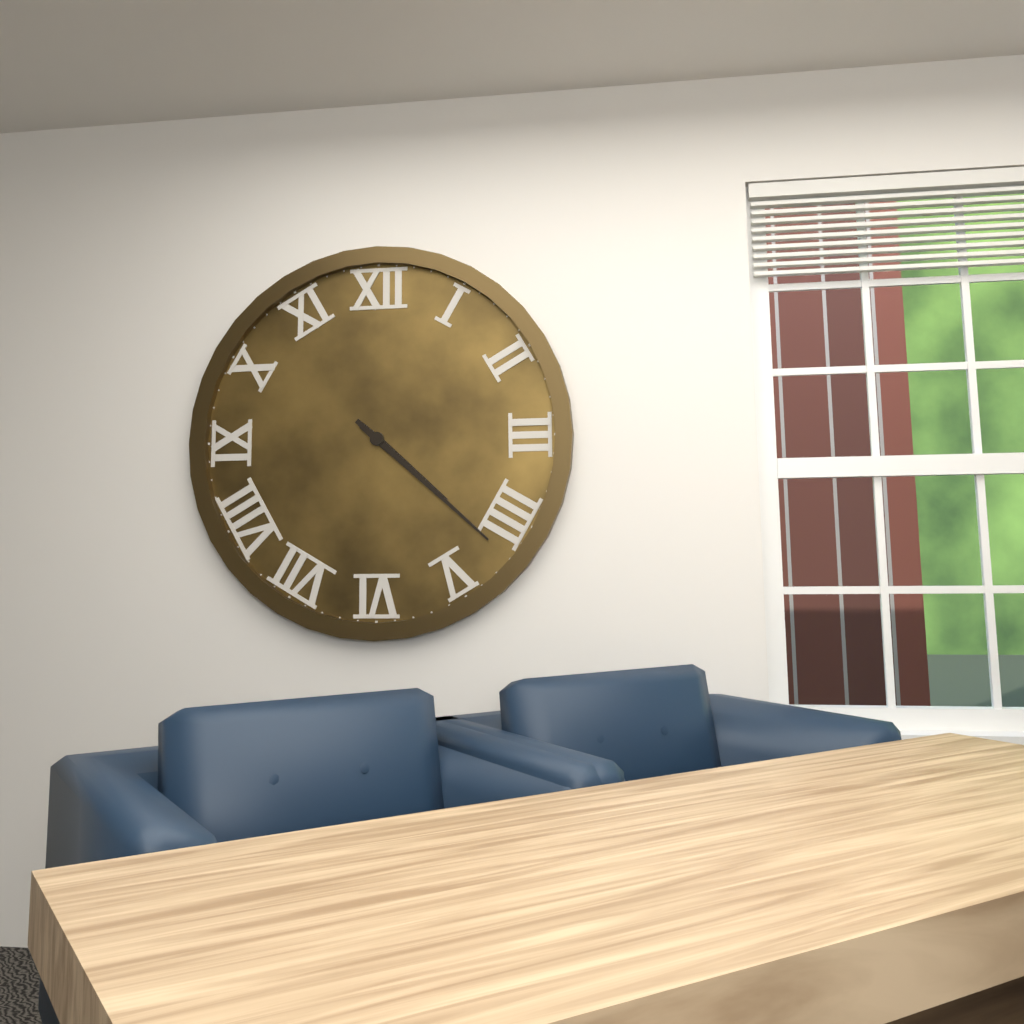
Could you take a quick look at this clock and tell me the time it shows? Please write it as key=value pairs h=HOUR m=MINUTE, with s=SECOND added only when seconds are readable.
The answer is h=4 m=22
